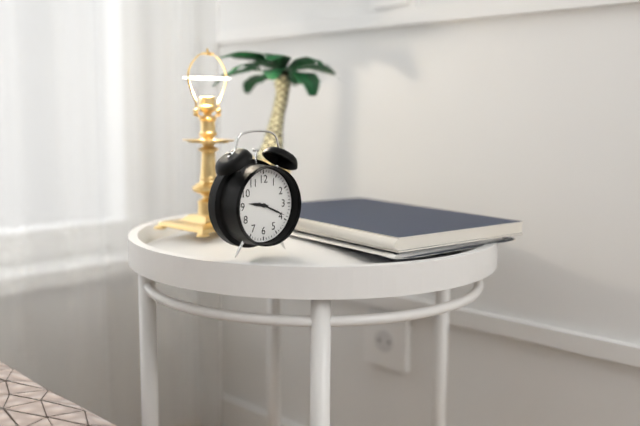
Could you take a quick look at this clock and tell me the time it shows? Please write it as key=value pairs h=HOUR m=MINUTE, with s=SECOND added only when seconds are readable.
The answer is h=9 m=19
